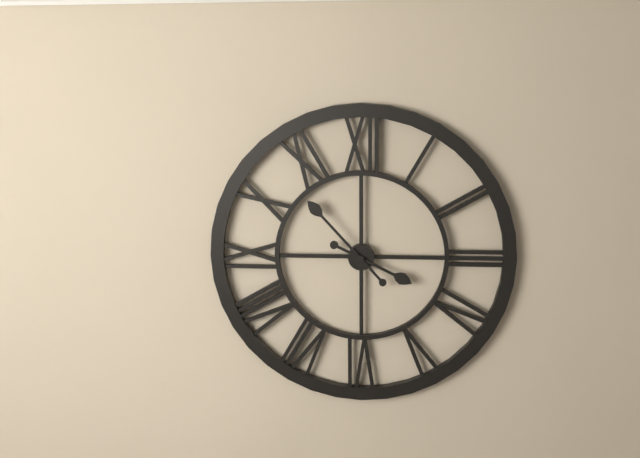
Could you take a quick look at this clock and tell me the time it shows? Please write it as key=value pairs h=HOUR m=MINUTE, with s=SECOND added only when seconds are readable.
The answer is h=3 m=53
